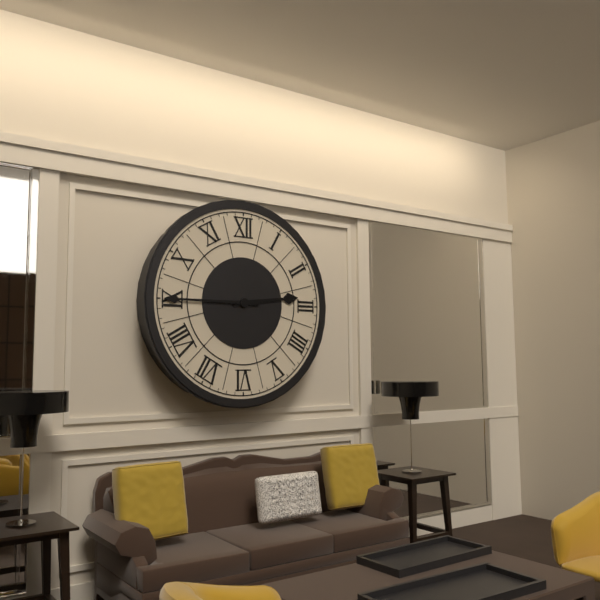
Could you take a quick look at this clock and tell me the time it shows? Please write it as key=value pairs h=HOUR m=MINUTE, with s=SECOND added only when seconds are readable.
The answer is h=2 m=45
